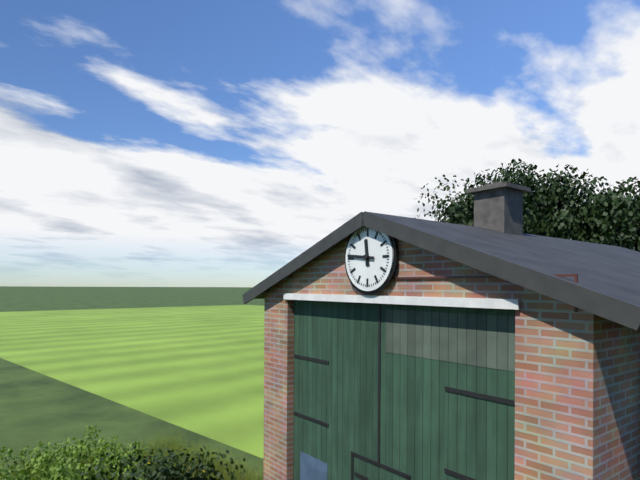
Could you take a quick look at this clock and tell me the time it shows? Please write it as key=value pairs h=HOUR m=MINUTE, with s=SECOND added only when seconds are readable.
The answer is h=11 m=46
